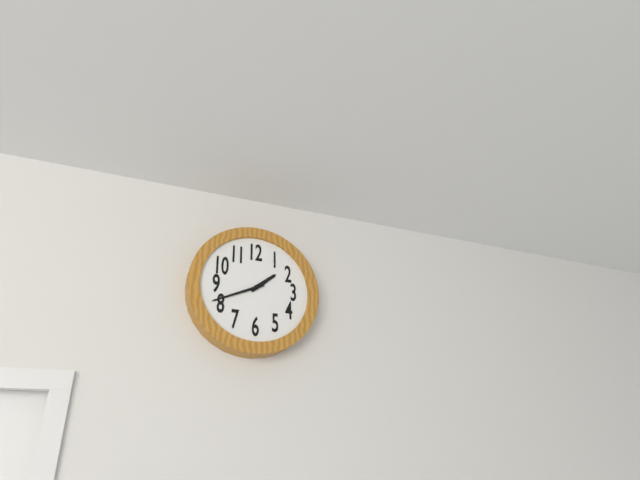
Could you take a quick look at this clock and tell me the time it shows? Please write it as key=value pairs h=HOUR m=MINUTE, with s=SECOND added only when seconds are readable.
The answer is h=1 m=41
